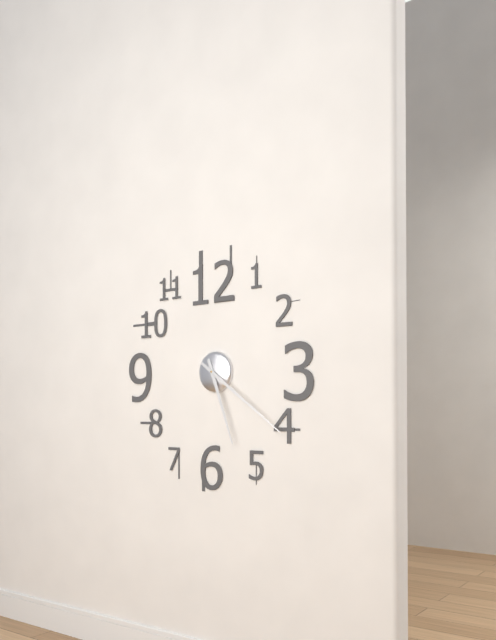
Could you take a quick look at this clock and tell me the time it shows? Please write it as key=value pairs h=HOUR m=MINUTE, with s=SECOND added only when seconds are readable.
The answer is h=5 m=21
